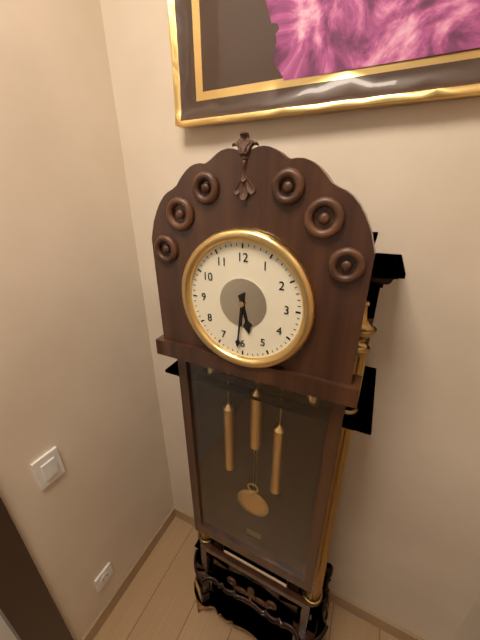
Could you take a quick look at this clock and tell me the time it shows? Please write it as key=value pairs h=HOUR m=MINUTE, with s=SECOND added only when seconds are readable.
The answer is h=5 m=31
